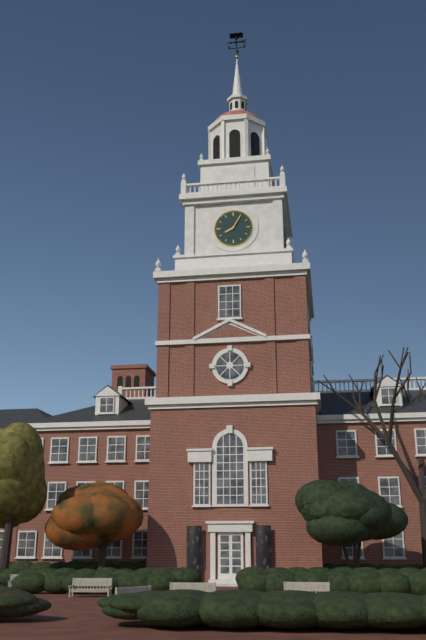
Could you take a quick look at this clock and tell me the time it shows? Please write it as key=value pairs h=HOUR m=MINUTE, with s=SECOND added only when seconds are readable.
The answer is h=8 m=5
